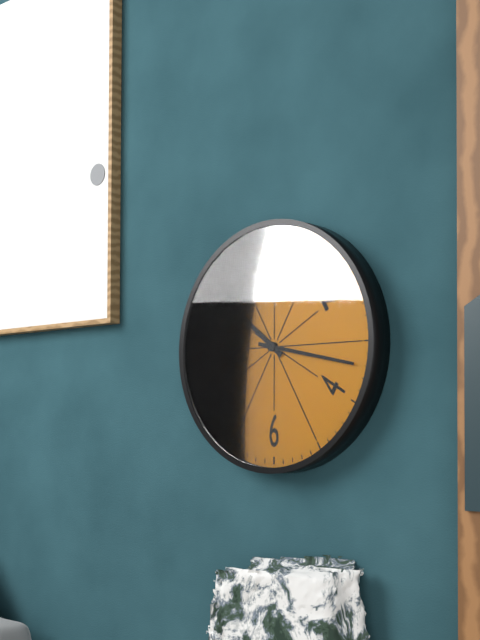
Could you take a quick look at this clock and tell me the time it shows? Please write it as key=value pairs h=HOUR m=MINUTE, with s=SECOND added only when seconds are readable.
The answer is h=10 m=17
